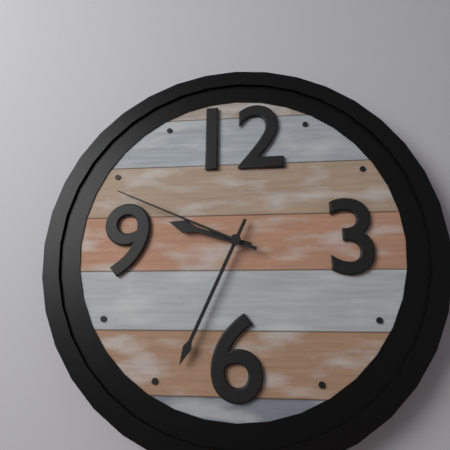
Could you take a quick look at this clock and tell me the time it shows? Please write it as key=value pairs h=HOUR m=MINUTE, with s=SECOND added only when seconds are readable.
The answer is h=9 m=34 s=49
